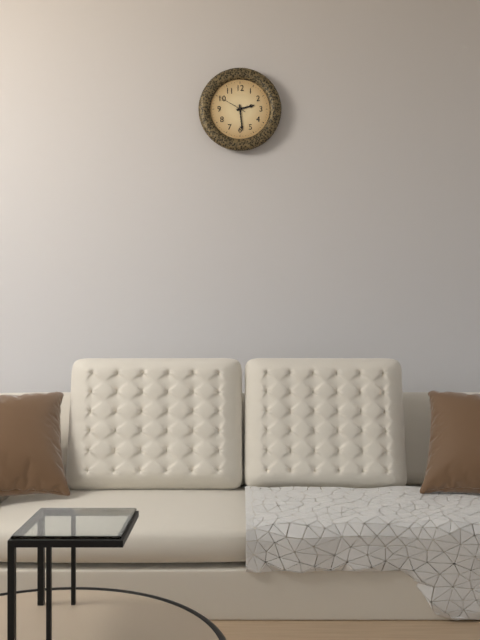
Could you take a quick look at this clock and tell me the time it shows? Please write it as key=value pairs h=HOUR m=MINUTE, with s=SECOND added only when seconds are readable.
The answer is h=2 m=29
